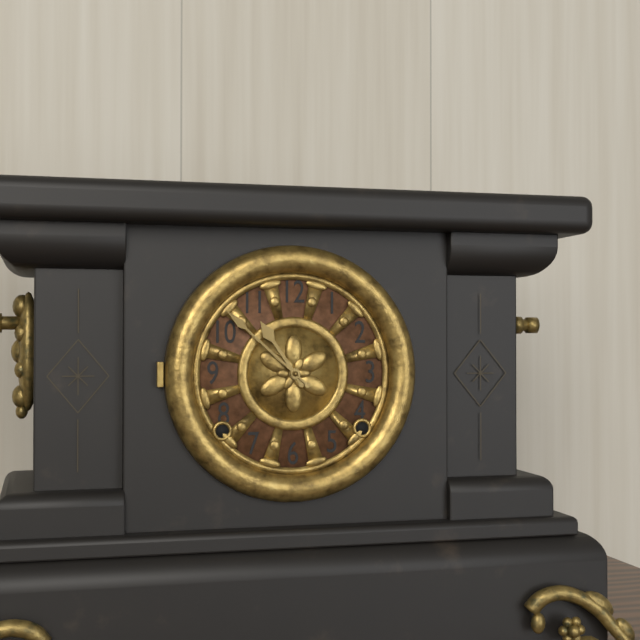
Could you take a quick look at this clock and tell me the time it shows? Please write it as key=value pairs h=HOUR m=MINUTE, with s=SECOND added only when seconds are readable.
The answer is h=10 m=52
